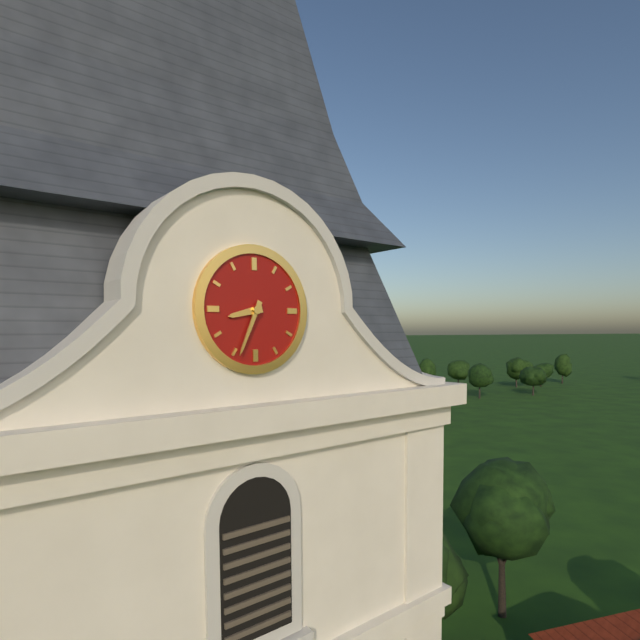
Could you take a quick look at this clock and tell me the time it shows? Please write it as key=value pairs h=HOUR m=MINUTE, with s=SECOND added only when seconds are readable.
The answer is h=8 m=34
